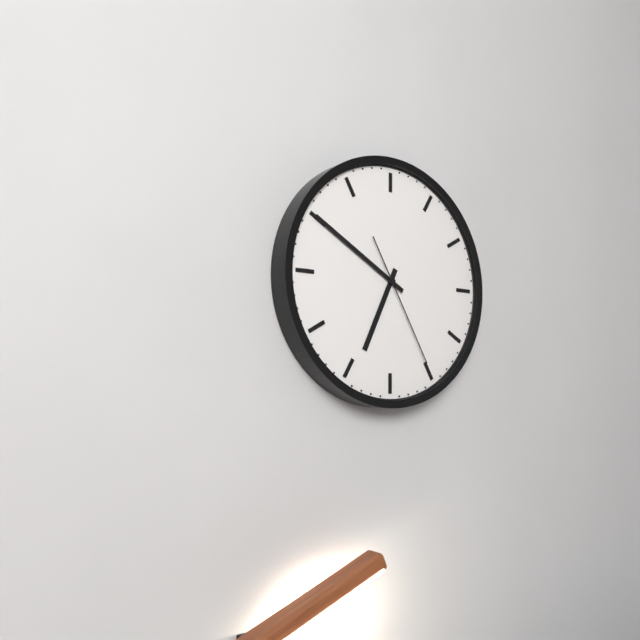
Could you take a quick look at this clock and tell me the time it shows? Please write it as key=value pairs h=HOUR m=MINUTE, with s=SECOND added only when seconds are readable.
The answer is h=6 m=50 s=25
